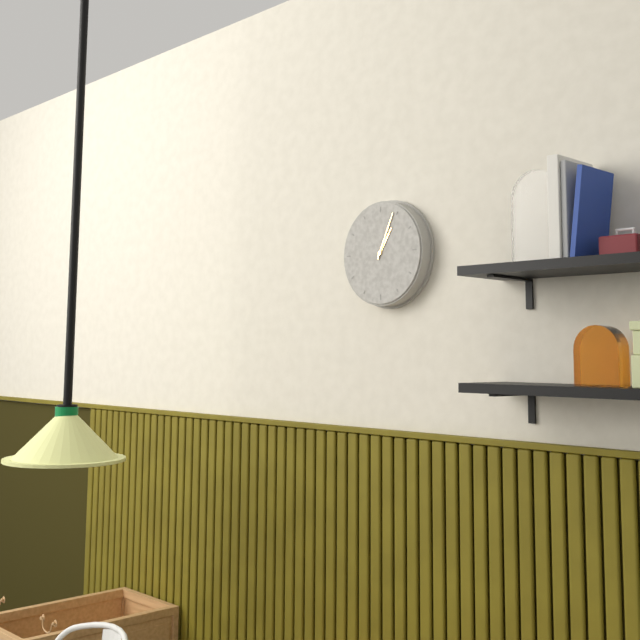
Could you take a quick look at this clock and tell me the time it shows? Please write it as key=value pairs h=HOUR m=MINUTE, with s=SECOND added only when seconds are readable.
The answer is h=1 m=4
